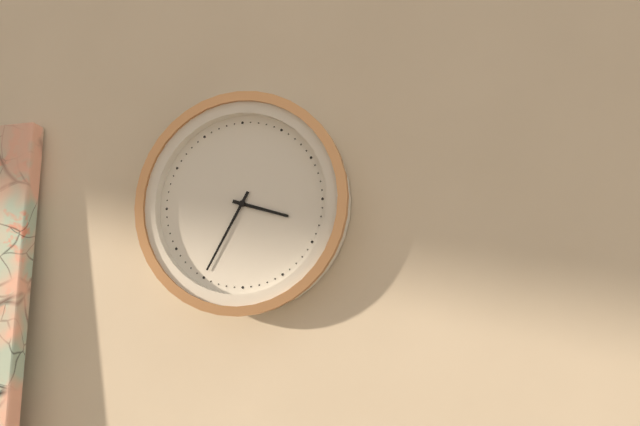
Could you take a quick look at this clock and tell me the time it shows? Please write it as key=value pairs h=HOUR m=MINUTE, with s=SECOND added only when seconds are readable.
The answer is h=3 m=35
